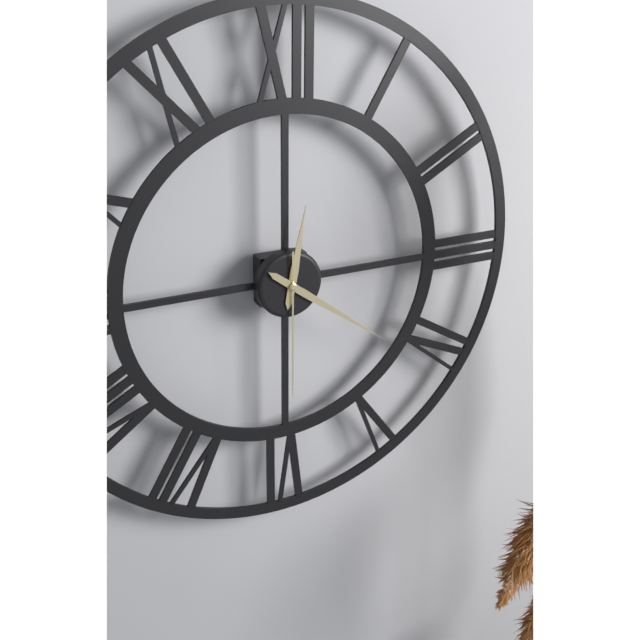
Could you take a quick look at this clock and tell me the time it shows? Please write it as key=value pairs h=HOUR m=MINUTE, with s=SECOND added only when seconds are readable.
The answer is h=12 m=21 s=30
